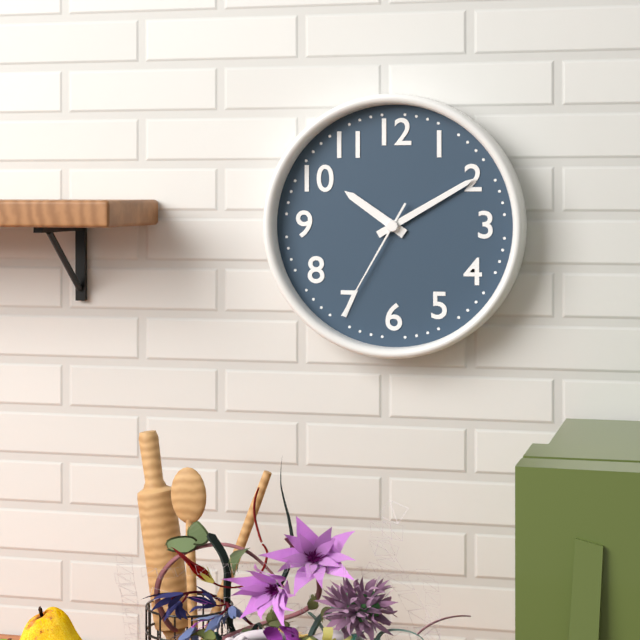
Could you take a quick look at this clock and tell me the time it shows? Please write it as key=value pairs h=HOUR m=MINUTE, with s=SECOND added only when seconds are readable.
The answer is h=10 m=10 s=35
